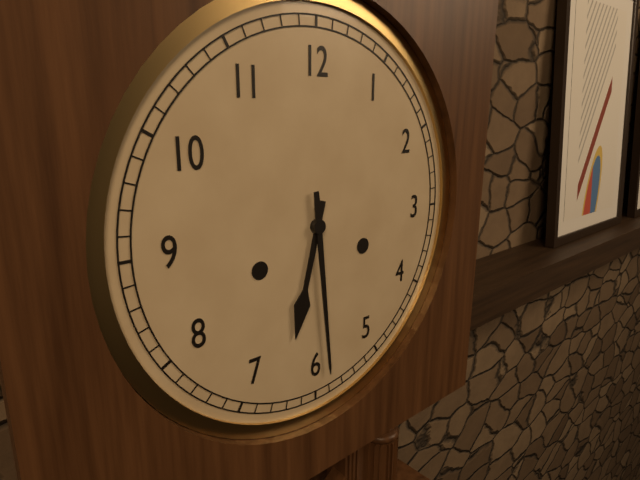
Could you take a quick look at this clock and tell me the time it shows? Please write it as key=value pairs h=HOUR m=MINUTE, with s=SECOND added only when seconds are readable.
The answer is h=6 m=29
